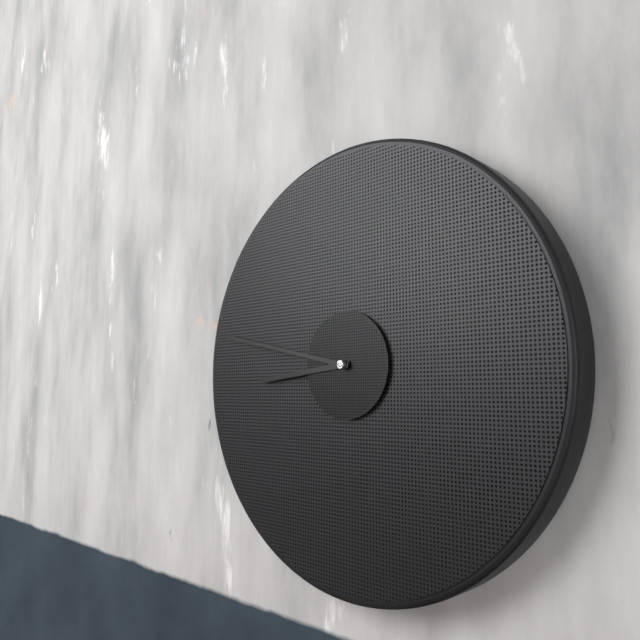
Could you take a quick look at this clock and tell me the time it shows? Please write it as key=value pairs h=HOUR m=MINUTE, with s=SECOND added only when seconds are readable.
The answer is h=8 m=47
